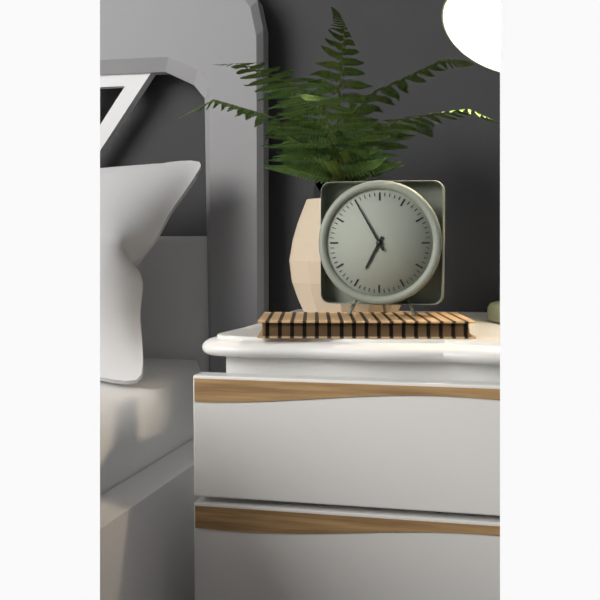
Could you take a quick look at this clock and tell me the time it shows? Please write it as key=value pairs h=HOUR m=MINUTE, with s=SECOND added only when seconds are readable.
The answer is h=6 m=55
